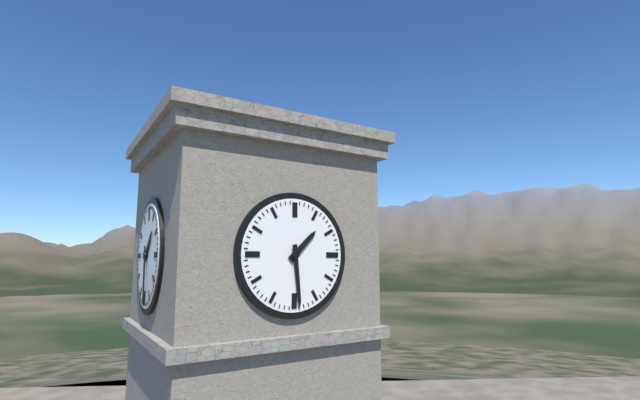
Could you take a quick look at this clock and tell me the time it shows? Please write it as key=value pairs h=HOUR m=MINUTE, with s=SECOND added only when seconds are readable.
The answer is h=1 m=29
